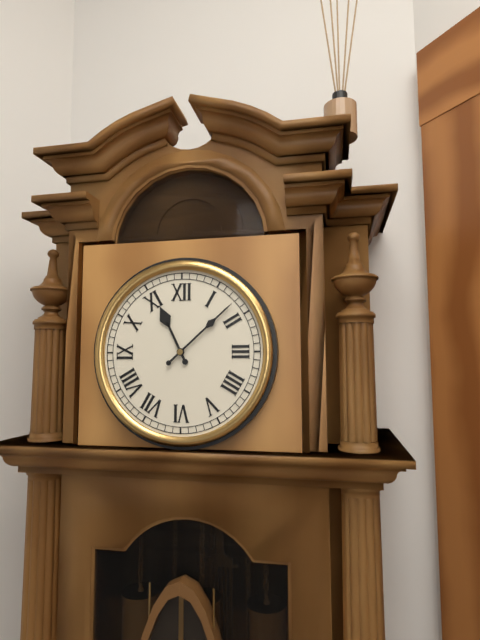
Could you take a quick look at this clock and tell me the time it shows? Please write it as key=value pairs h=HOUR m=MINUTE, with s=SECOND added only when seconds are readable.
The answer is h=11 m=8
